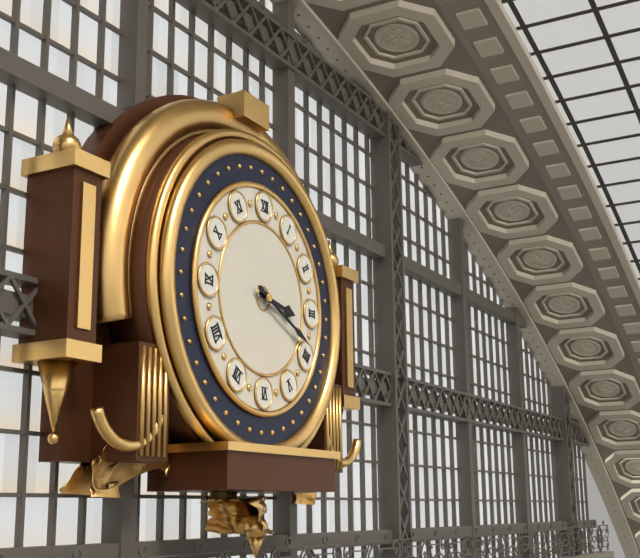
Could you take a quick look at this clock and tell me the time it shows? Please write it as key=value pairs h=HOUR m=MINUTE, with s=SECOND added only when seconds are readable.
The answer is h=3 m=19
